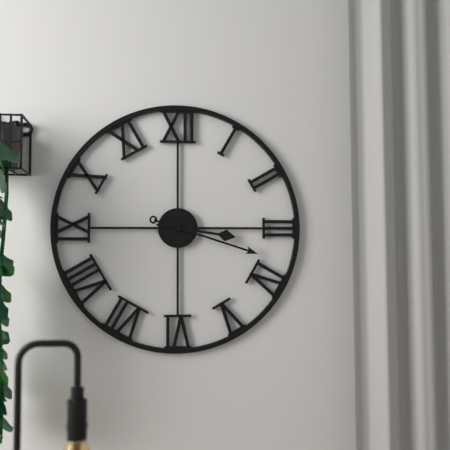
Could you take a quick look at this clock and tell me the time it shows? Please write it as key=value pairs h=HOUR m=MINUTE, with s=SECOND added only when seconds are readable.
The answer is h=3 m=18
